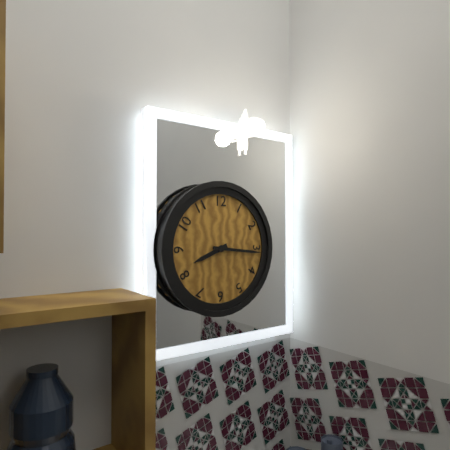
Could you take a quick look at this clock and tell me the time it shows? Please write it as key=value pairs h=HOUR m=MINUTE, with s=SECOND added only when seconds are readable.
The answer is h=8 m=16
